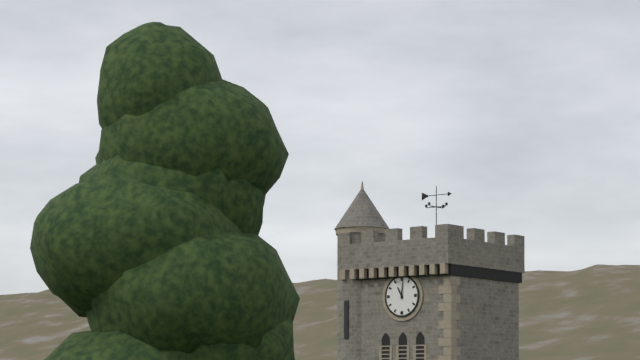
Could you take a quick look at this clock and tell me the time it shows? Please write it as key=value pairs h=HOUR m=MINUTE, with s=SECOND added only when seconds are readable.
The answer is h=11 m=1
